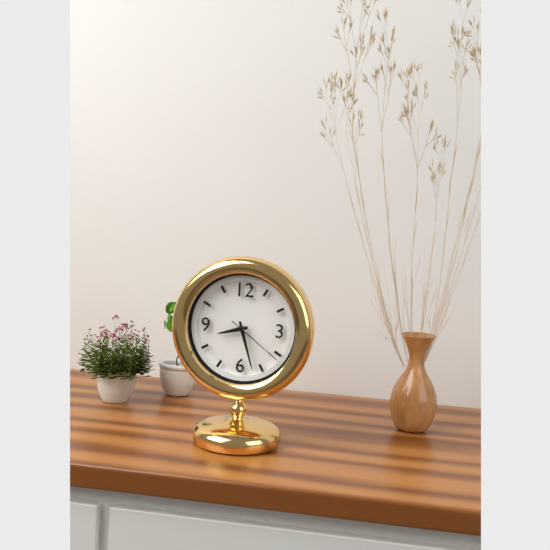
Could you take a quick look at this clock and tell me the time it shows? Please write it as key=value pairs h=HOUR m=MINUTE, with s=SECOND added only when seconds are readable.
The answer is h=8 m=27 s=21
